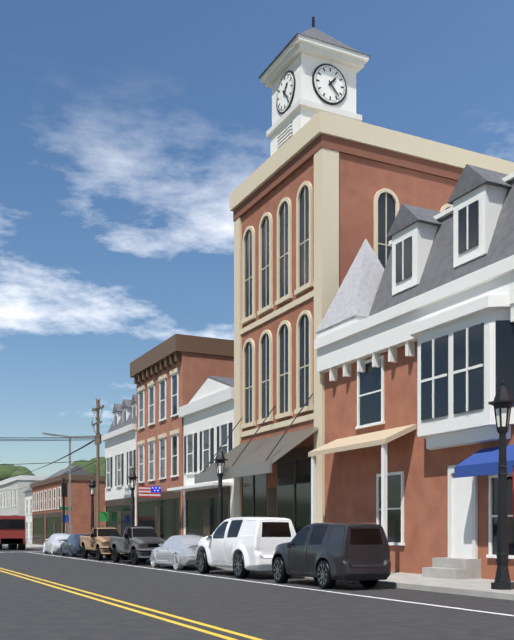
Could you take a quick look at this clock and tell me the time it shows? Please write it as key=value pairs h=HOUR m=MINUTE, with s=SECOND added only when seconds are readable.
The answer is h=1 m=23
